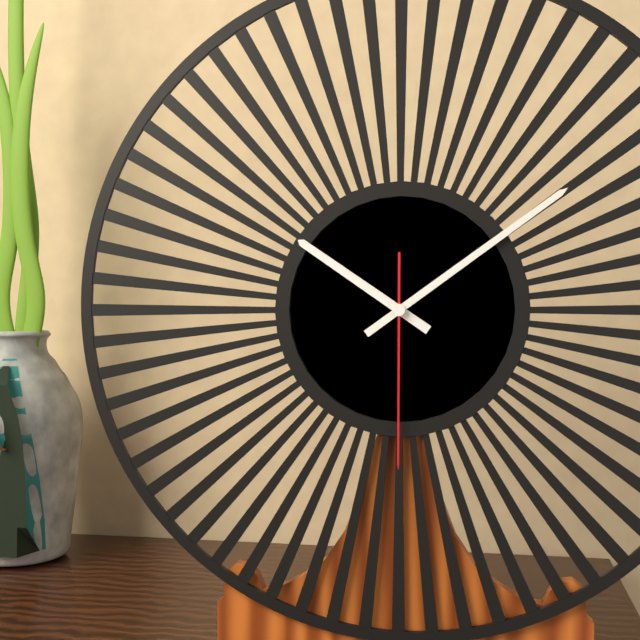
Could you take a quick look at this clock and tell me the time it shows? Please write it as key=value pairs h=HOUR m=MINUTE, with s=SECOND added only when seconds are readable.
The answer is h=10 m=9 s=30
